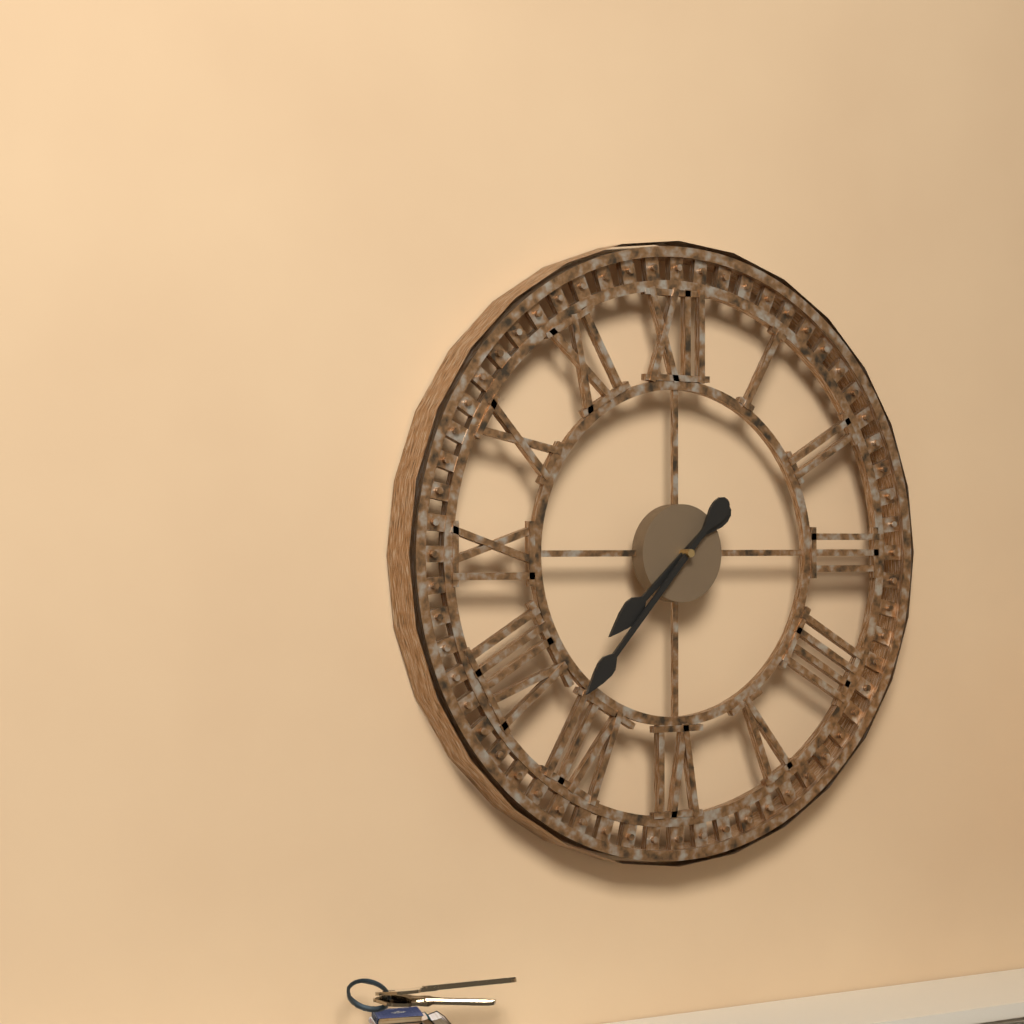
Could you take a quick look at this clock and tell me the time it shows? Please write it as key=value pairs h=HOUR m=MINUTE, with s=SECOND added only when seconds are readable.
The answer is h=7 m=37
